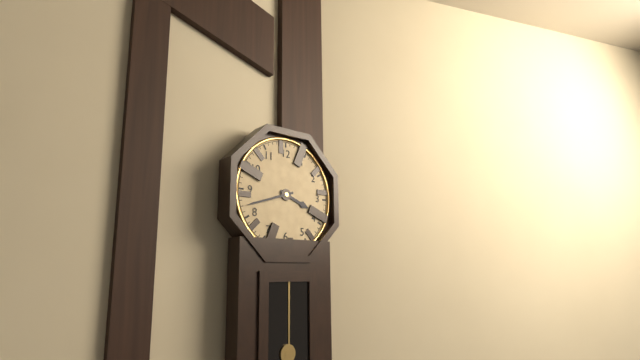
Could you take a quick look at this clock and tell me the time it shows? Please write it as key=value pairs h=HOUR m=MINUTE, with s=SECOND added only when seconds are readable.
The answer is h=3 m=42
